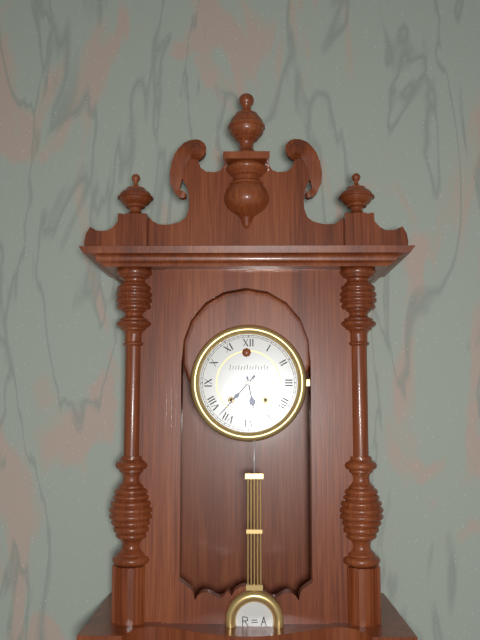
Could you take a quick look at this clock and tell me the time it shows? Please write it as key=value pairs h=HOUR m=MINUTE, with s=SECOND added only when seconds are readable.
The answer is h=5 m=37
